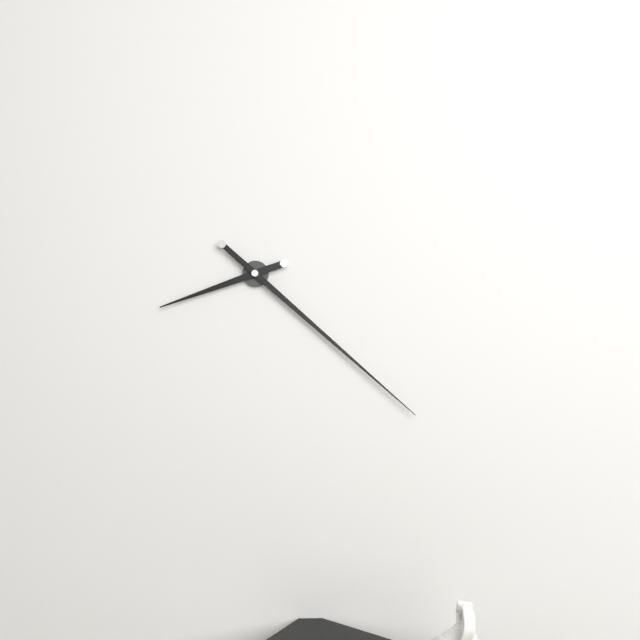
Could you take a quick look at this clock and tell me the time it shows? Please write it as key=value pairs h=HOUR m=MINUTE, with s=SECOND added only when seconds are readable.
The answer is h=8 m=22
